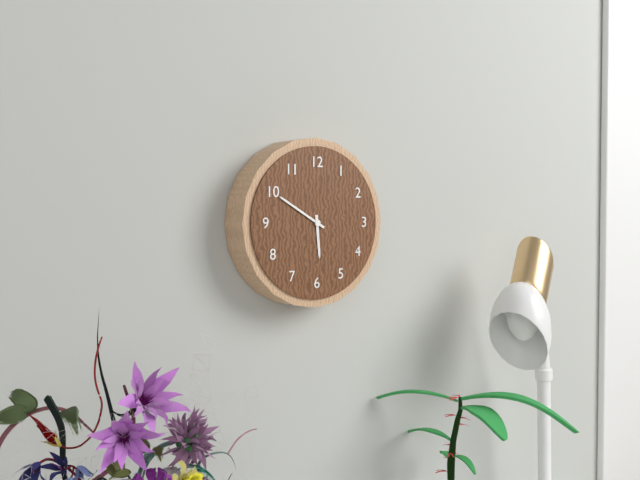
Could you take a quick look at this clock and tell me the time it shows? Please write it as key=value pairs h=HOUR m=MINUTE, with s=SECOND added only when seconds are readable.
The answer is h=5 m=50
